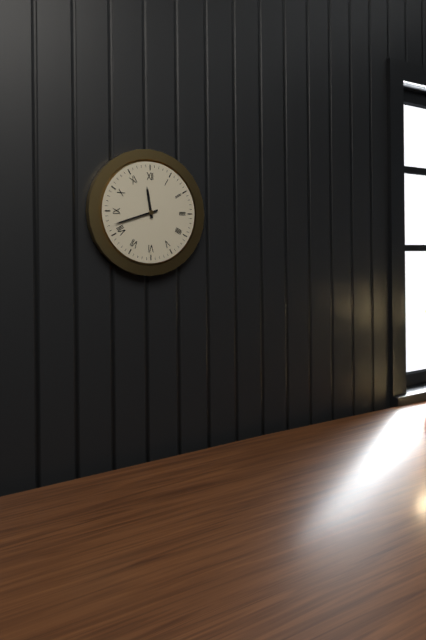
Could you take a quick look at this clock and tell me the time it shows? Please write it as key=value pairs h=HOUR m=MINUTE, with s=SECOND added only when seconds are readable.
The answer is h=11 m=42
